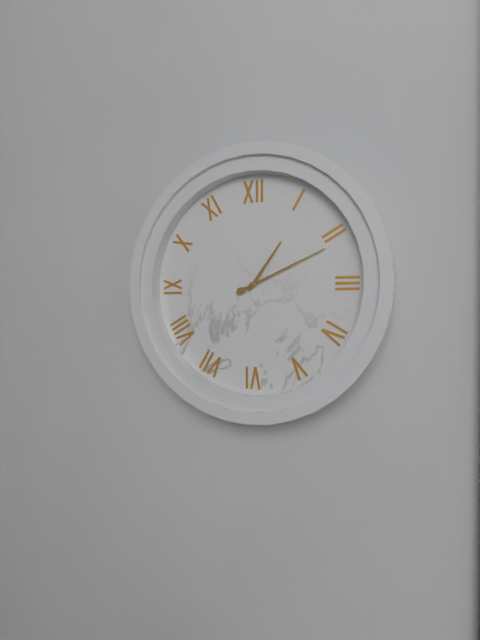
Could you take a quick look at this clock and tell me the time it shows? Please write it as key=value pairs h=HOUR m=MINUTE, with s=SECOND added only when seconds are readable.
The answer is h=1 m=11
